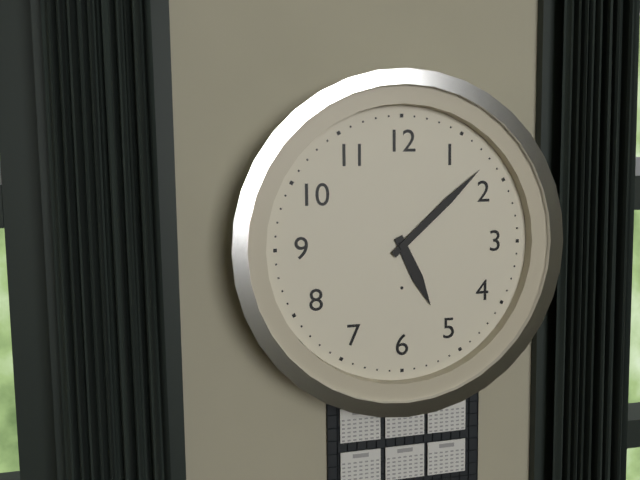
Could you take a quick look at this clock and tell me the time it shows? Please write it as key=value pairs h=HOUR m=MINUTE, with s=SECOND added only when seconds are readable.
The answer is h=5 m=8
